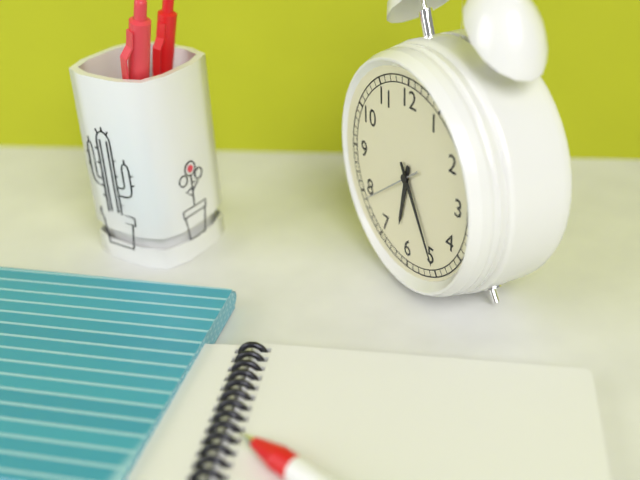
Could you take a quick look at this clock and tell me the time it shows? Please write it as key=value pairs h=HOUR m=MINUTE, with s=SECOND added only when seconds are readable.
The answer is h=6 m=25 s=39
